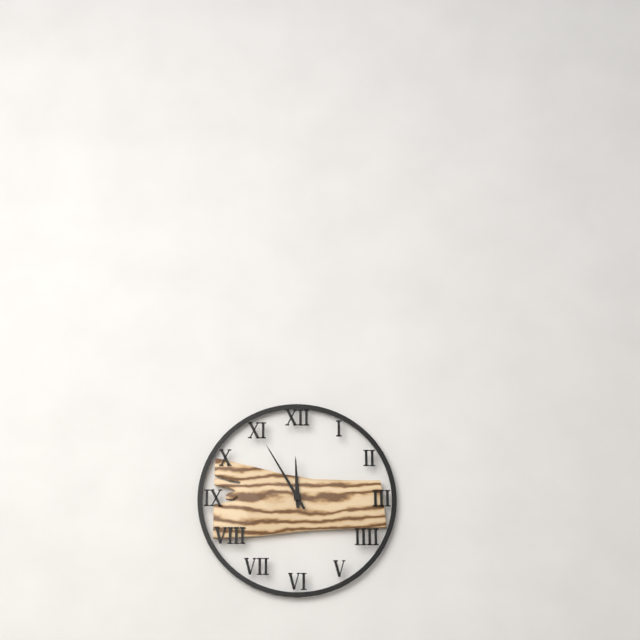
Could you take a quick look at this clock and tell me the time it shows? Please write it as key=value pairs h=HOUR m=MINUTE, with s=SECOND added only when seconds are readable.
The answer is h=11 m=55
